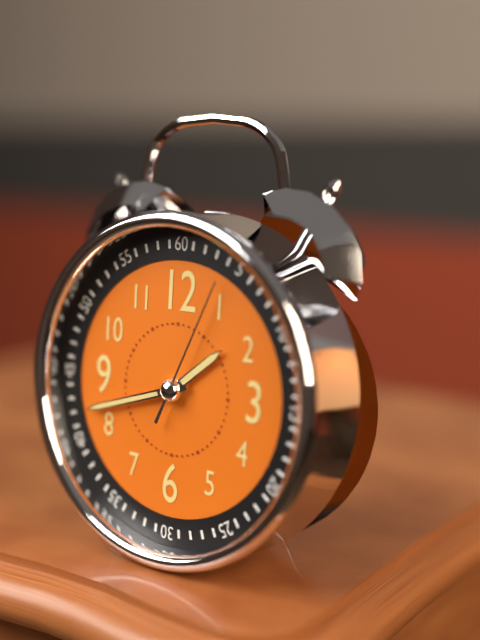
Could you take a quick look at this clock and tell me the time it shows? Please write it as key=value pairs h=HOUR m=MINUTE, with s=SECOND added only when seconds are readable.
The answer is h=1 m=42 s=4
